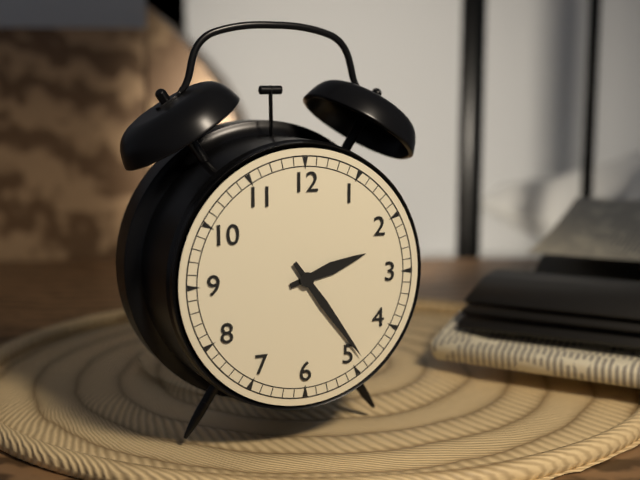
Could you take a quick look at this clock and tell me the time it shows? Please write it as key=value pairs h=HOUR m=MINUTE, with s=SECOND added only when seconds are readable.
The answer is h=2 m=24
